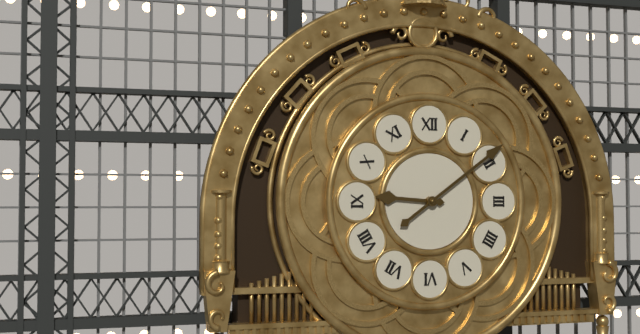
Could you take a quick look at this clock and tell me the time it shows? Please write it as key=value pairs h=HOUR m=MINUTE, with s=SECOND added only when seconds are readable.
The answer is h=9 m=9
